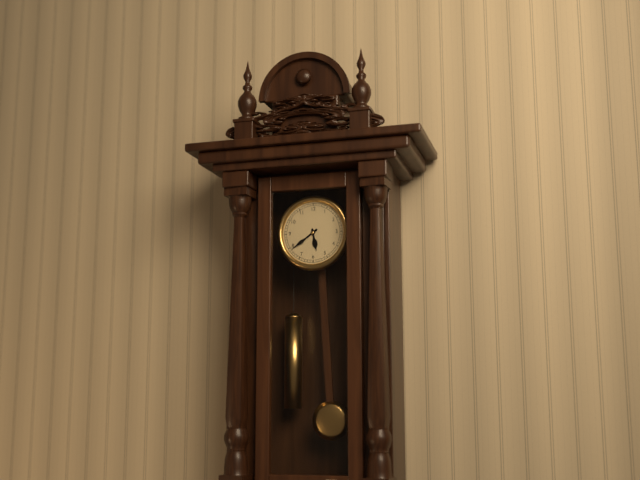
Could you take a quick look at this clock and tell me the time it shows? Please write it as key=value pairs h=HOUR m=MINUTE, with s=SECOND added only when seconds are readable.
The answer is h=5 m=39
